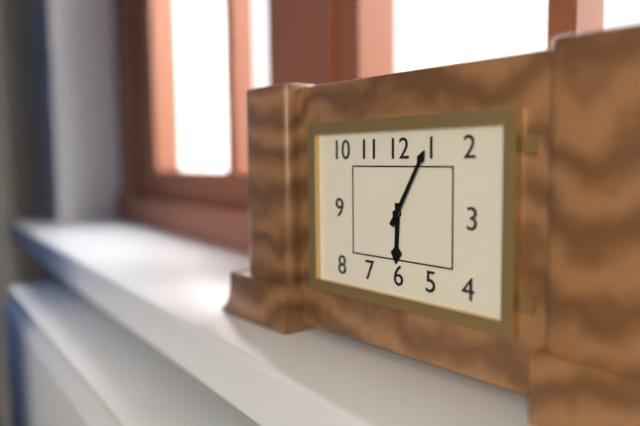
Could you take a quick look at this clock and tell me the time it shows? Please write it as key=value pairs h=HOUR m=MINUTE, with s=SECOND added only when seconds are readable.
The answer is h=6 m=5
